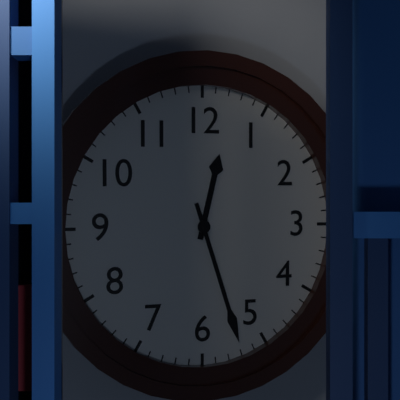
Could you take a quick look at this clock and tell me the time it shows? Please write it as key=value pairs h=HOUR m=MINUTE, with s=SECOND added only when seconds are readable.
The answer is h=12 m=27
